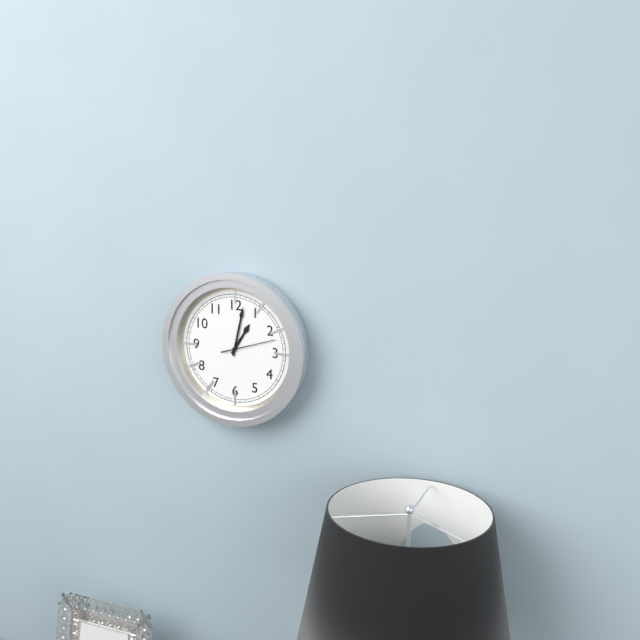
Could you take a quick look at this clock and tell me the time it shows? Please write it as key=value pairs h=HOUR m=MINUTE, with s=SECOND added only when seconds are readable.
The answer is h=1 m=2
